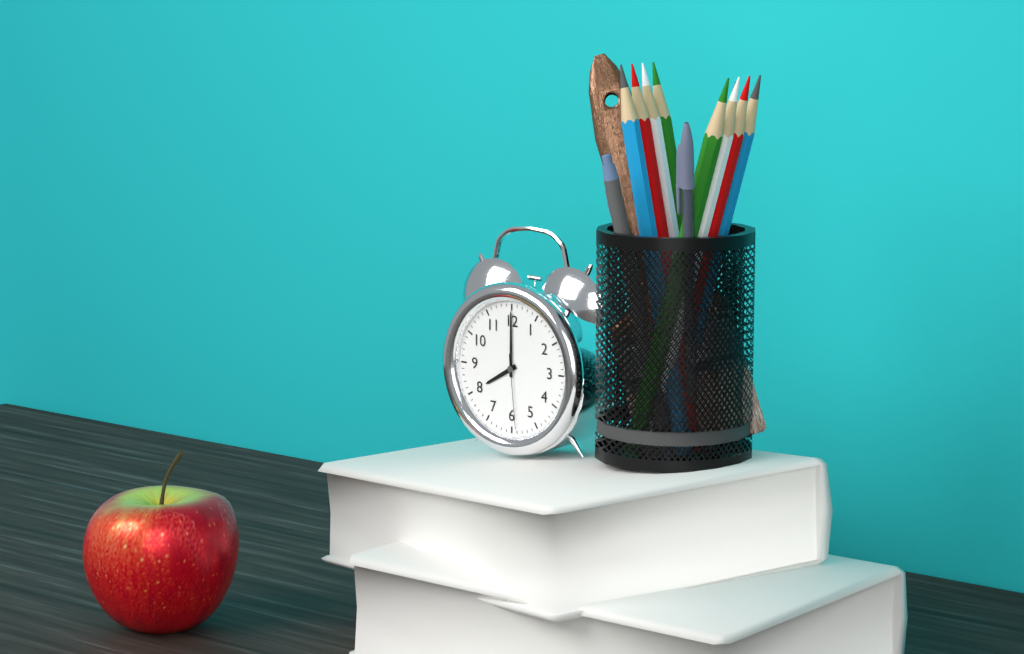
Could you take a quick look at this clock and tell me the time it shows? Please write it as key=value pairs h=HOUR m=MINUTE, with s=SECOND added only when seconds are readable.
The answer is h=8 m=0 s=29
